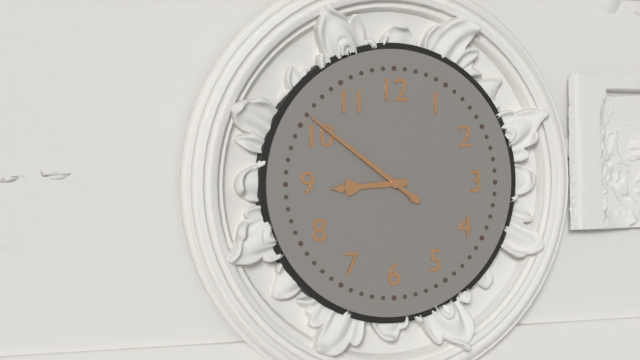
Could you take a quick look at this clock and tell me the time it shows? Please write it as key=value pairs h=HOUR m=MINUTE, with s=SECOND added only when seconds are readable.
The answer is h=8 m=51
